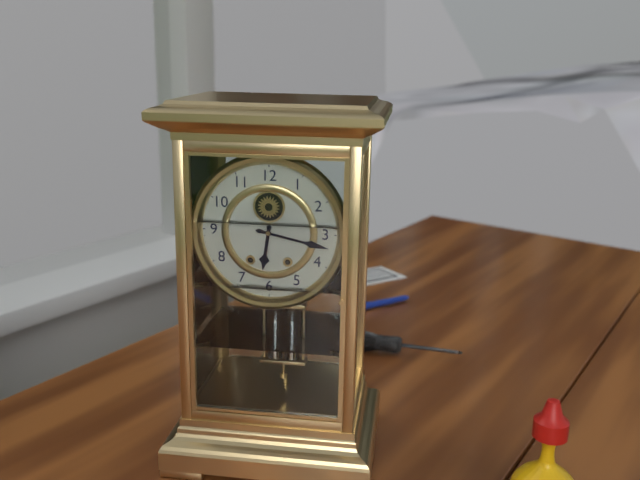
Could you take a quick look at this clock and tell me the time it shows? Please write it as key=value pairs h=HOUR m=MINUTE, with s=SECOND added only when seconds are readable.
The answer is h=6 m=17
